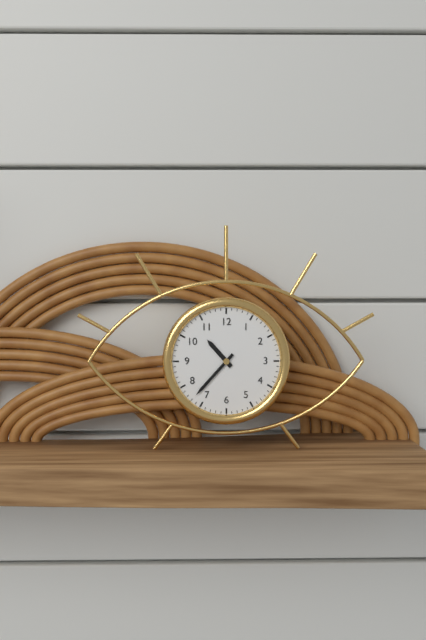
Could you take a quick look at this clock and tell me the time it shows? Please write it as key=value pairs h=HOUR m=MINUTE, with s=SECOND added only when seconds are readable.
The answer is h=10 m=37
